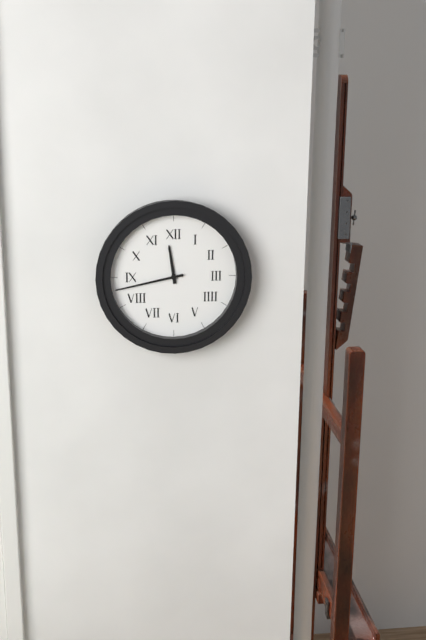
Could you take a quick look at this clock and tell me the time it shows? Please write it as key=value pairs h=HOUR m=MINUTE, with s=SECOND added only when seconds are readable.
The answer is h=11 m=43
